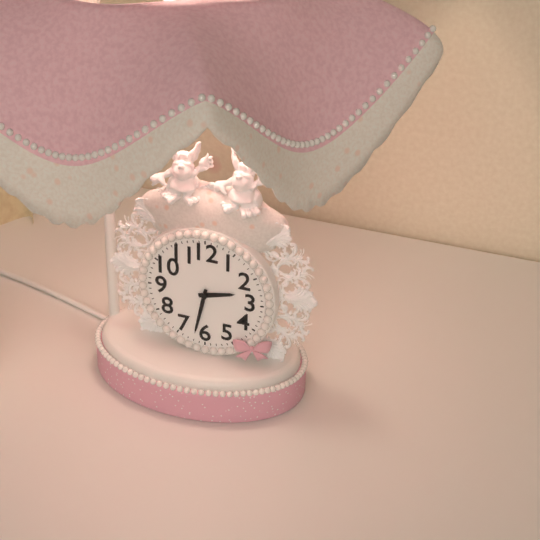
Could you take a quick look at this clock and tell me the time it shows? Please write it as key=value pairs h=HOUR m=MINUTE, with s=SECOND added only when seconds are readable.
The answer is h=2 m=32
